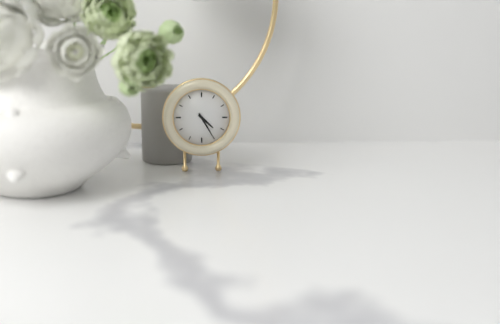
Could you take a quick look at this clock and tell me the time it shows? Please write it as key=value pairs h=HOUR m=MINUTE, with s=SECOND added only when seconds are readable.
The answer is h=4 m=25
